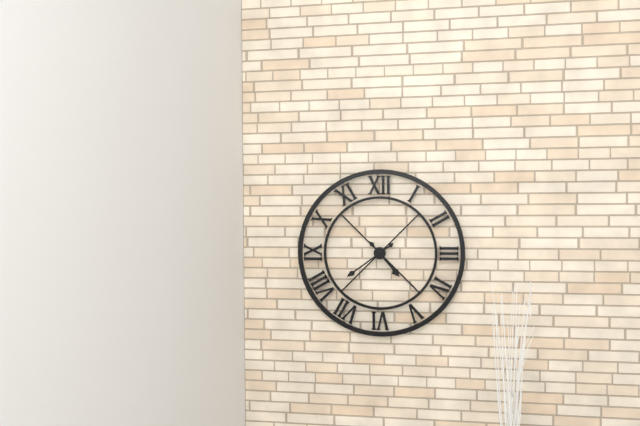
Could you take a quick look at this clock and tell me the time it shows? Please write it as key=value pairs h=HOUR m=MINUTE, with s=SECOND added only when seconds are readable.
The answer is h=4 m=39
